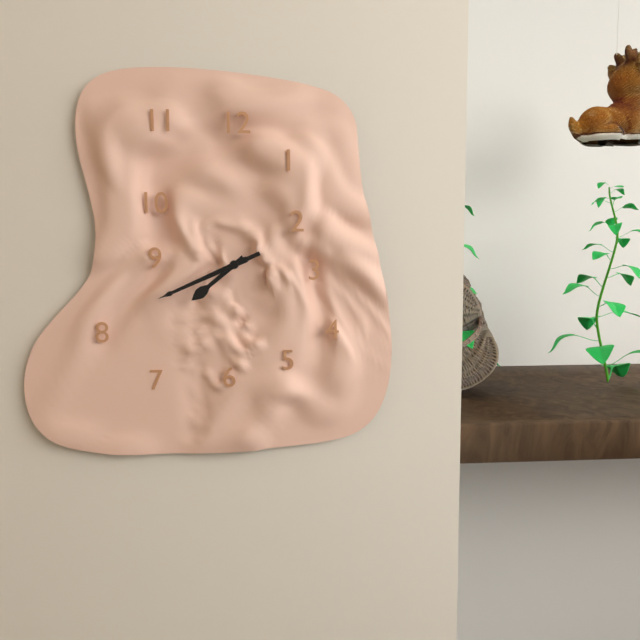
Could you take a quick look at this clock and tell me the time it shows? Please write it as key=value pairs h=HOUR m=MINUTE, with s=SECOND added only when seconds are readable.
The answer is h=7 m=41 s=41
